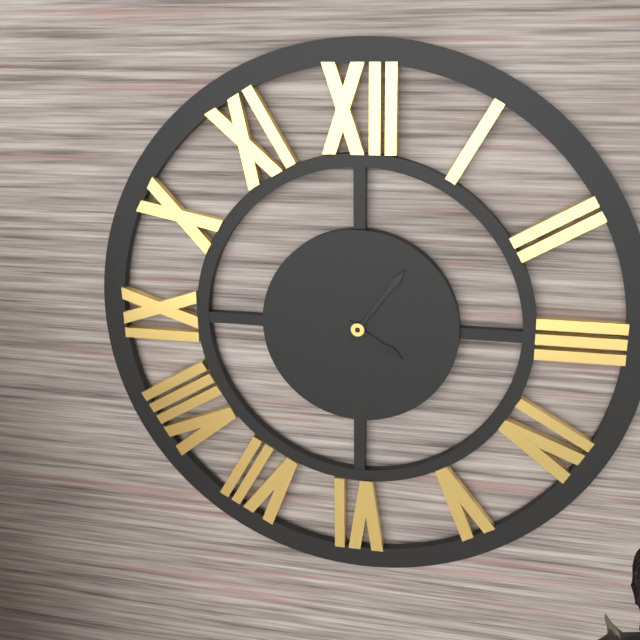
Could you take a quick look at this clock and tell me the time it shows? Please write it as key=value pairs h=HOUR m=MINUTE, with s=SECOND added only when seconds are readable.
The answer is h=4 m=6
